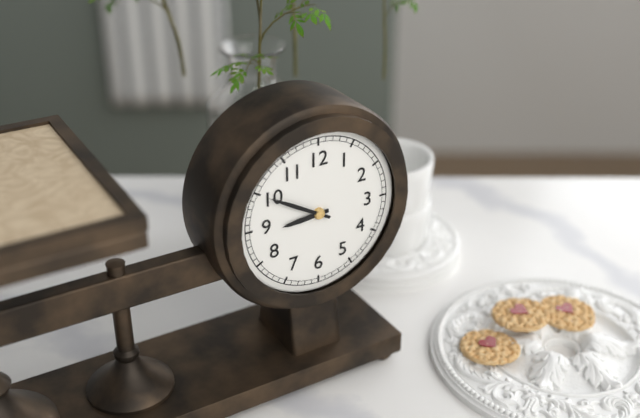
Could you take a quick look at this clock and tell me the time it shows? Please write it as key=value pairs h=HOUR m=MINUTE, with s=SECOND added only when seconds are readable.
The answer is h=8 m=50
